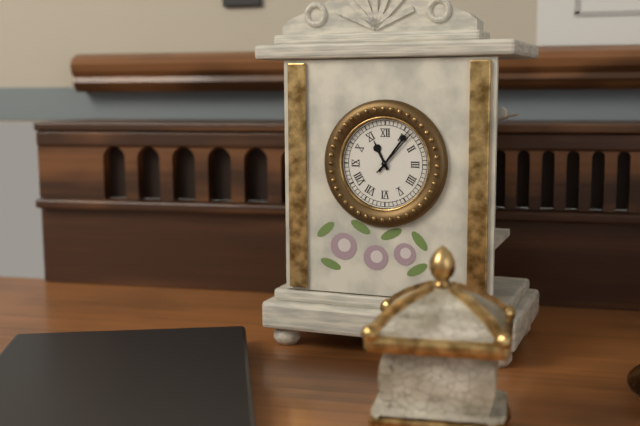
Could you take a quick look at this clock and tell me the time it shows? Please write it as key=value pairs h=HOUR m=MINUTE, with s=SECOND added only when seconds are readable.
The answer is h=11 m=6 s=7
